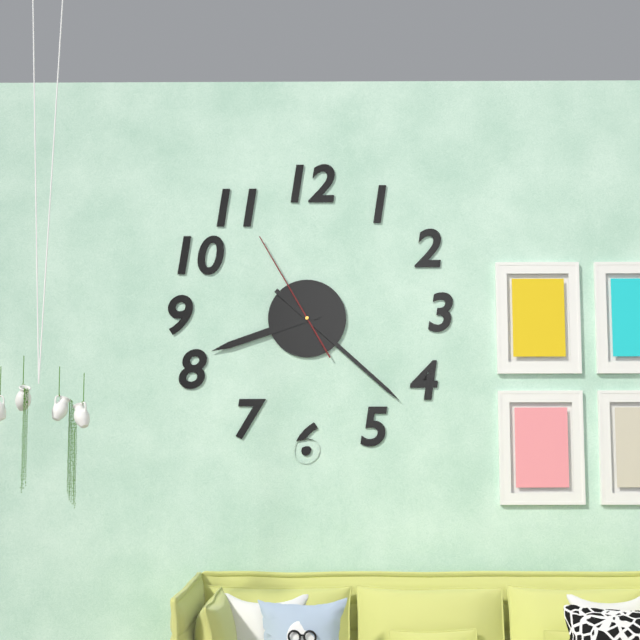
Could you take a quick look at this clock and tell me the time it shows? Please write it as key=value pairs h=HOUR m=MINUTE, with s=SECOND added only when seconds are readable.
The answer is h=8 m=22 s=55
